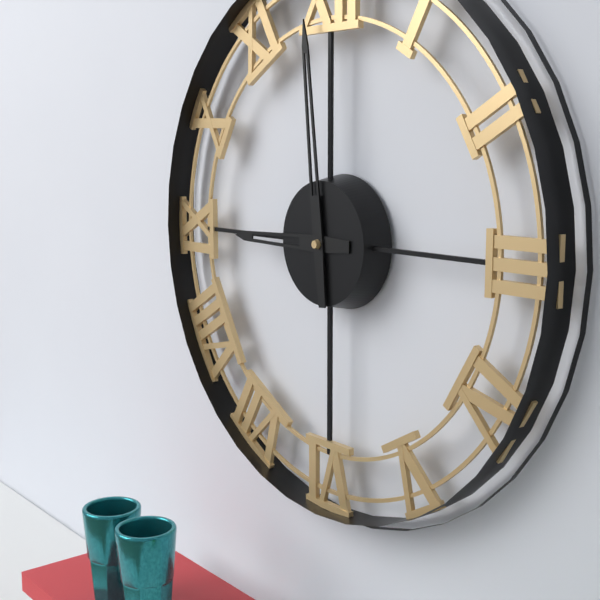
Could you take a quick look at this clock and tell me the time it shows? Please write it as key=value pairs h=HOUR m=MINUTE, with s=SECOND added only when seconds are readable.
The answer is h=8 m=59
